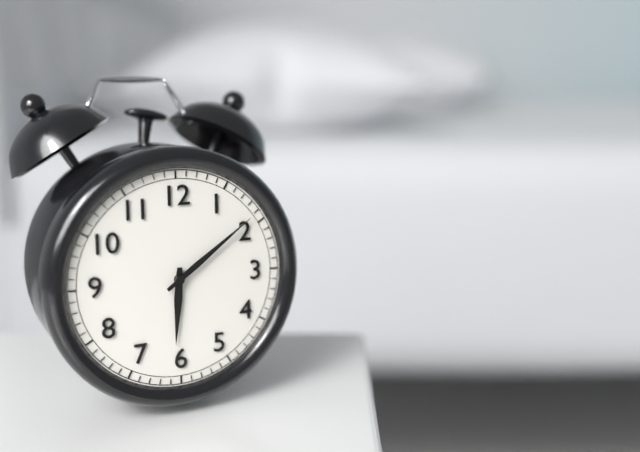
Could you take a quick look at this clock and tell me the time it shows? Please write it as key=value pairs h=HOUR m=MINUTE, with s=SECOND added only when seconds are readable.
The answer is h=6 m=9
